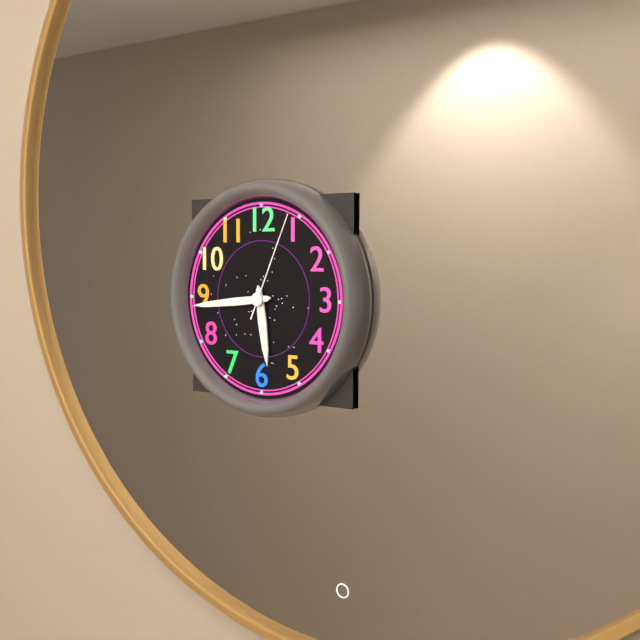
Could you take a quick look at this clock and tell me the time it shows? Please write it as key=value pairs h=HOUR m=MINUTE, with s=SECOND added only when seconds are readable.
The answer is h=5 m=44 s=4
